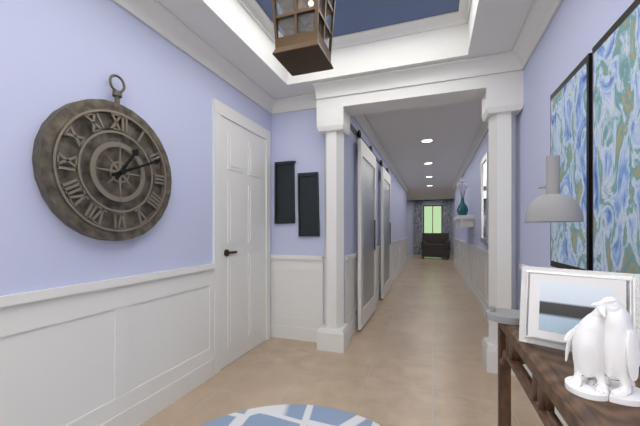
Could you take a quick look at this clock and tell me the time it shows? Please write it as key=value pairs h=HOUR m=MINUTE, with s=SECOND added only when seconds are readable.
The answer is h=1 m=11
